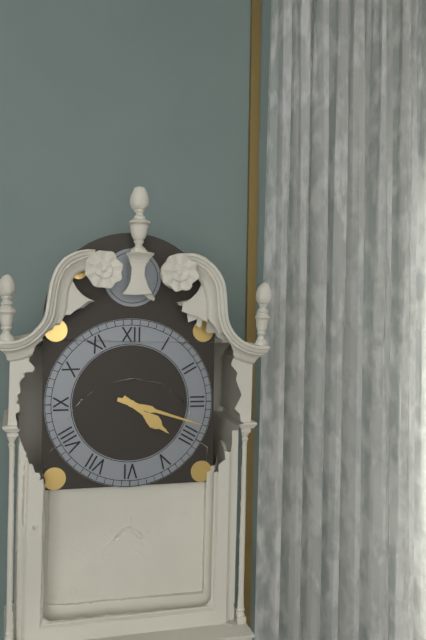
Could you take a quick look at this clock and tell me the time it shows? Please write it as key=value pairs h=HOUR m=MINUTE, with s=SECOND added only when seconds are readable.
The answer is h=4 m=18
